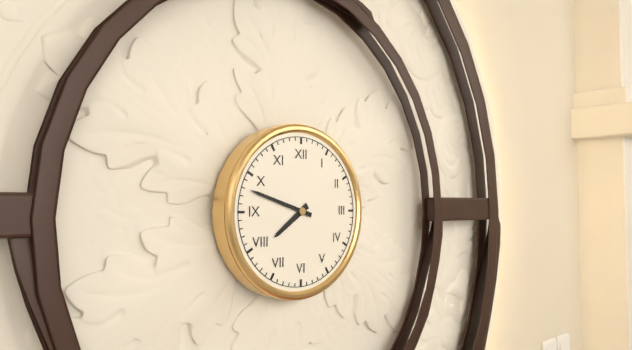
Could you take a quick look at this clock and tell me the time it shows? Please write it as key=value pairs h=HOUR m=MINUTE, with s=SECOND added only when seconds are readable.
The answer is h=7 m=48
